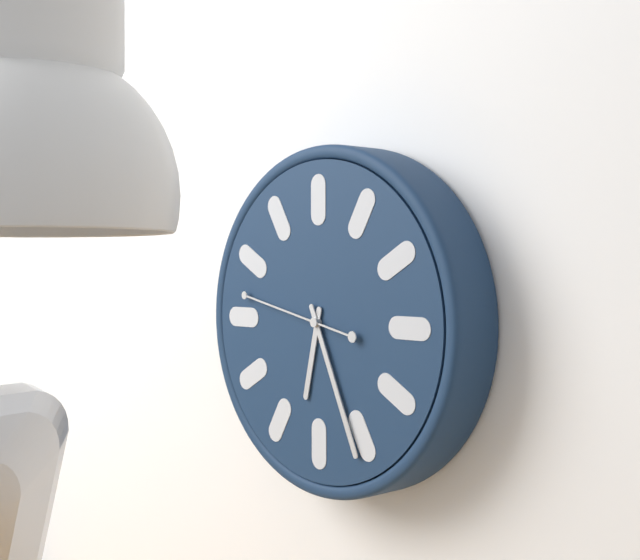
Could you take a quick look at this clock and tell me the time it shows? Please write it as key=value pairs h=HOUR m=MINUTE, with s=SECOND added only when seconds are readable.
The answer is h=6 m=26 s=47
